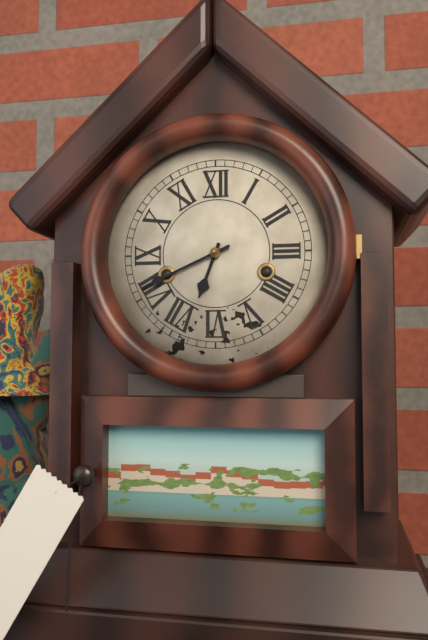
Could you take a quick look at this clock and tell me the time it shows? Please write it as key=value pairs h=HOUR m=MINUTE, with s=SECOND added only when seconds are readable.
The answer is h=6 m=41
